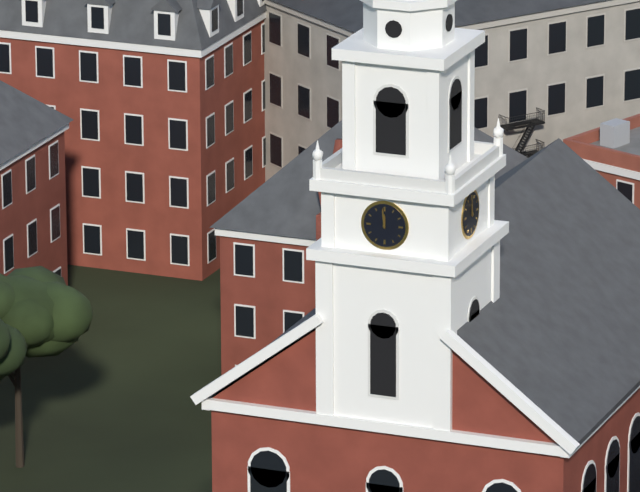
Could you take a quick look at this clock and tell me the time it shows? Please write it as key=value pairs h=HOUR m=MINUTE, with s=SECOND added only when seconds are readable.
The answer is h=11 m=59
